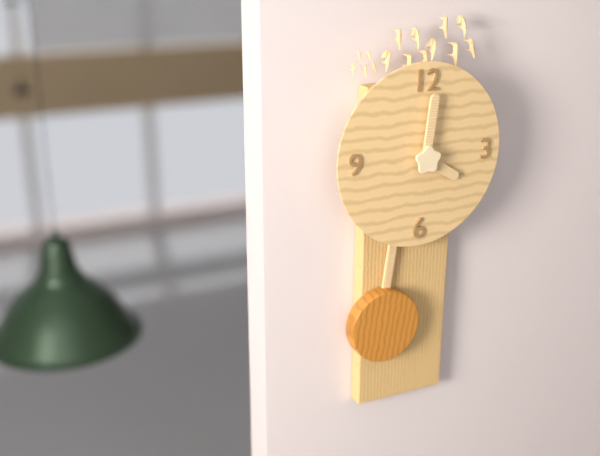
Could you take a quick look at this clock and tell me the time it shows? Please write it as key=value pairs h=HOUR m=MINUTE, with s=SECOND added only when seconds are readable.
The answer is h=4 m=1
